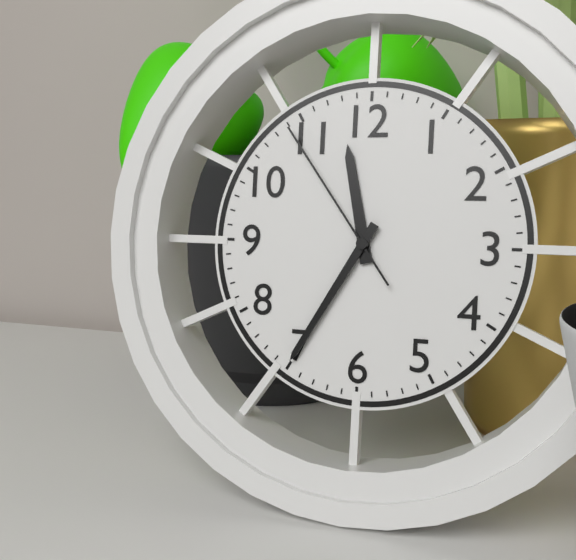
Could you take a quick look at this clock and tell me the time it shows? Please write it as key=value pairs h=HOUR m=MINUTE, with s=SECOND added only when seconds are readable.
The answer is h=11 m=35 s=54
